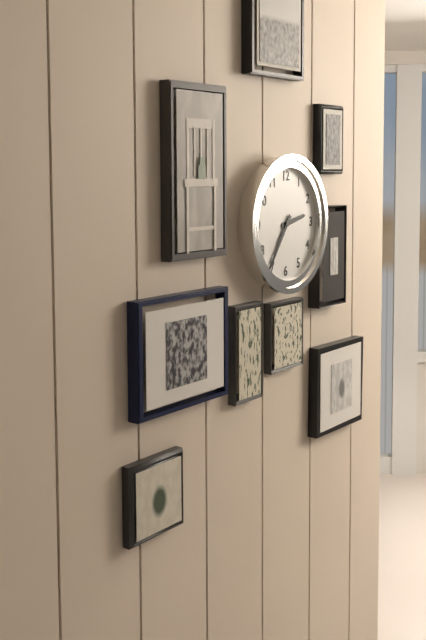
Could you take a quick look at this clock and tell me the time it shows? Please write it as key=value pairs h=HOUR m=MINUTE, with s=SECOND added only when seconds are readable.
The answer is h=2 m=36
